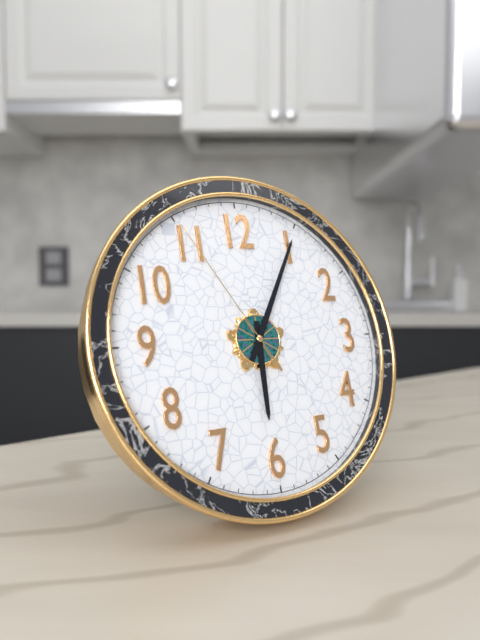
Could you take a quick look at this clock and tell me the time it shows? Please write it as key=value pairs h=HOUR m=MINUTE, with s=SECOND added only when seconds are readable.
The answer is h=6 m=5 s=55
